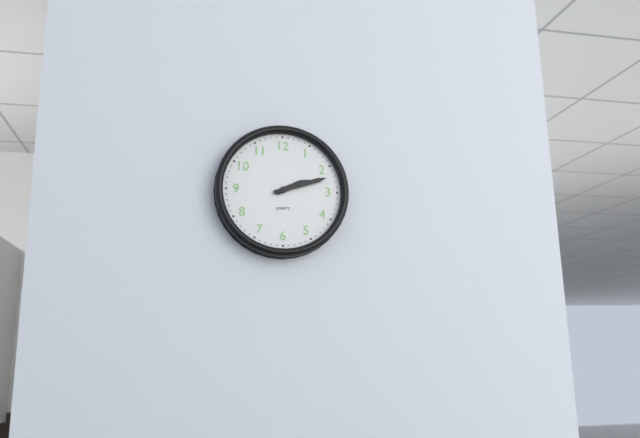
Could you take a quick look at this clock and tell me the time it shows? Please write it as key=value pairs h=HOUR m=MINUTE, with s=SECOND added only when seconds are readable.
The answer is h=2 m=12
